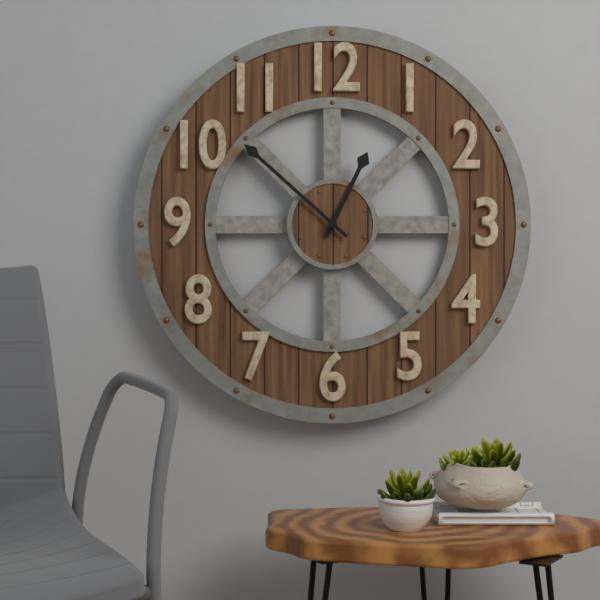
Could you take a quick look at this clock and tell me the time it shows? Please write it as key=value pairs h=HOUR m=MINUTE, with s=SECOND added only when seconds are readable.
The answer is h=12 m=52
